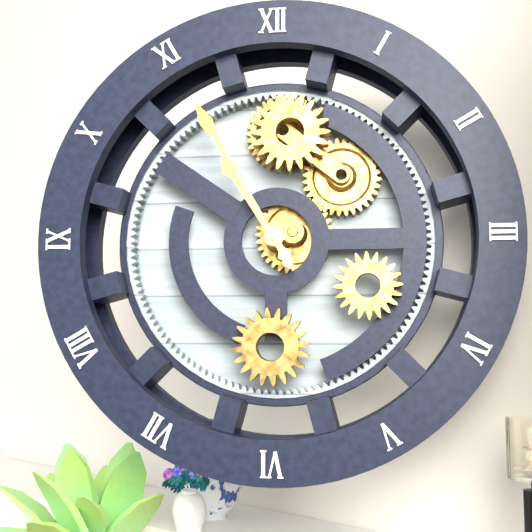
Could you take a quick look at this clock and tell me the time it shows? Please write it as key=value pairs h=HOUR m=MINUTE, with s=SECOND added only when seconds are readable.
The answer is h=10 m=55
